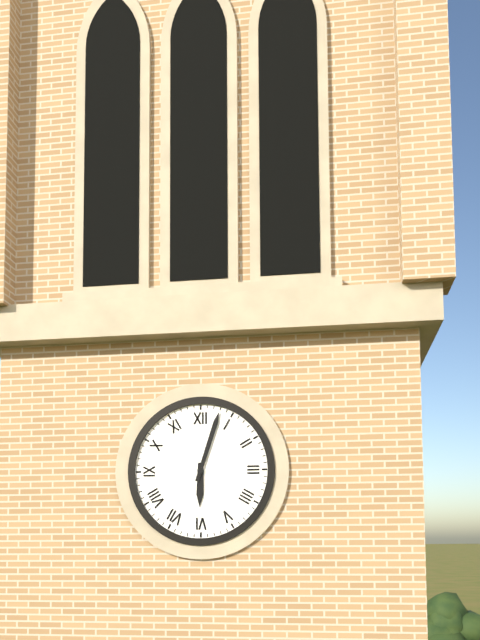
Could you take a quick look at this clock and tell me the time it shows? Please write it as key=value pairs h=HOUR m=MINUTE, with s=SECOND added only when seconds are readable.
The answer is h=6 m=3
